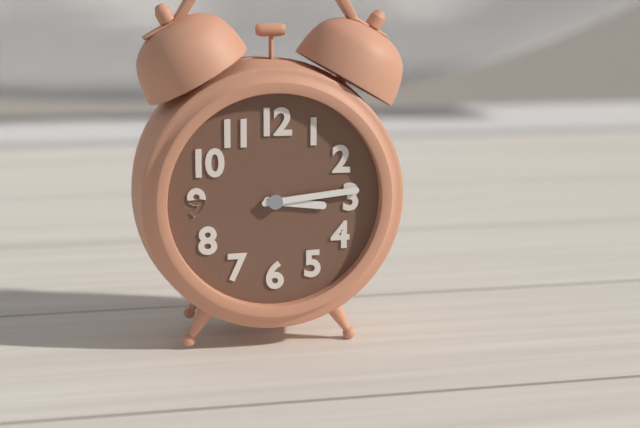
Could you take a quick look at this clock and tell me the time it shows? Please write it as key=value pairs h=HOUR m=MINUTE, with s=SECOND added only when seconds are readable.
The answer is h=3 m=14
